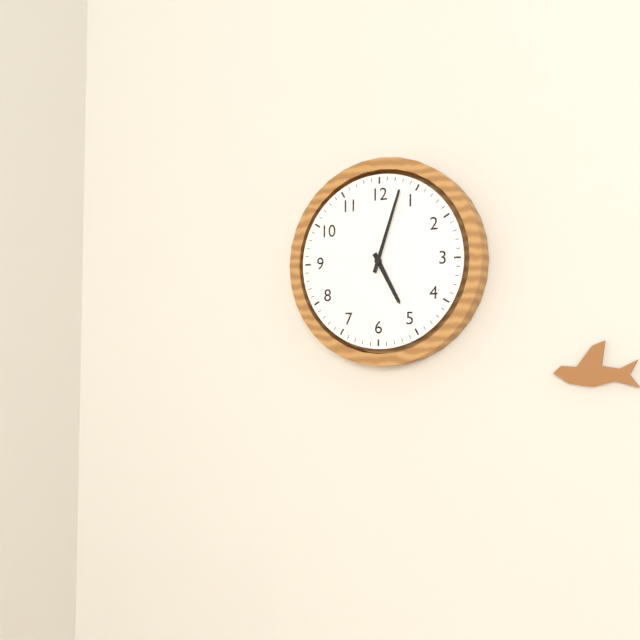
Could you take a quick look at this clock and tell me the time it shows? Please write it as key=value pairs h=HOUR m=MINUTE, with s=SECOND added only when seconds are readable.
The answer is h=5 m=3
